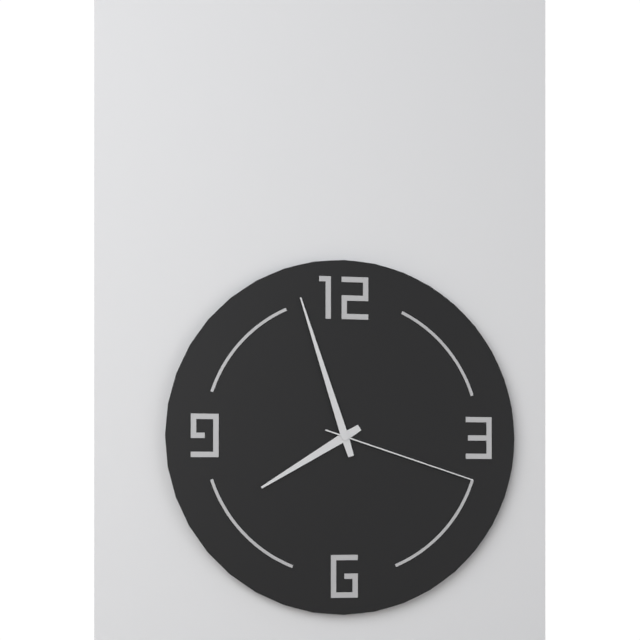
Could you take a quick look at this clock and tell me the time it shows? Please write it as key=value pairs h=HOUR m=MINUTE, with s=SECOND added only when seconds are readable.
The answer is h=7 m=57 s=18
